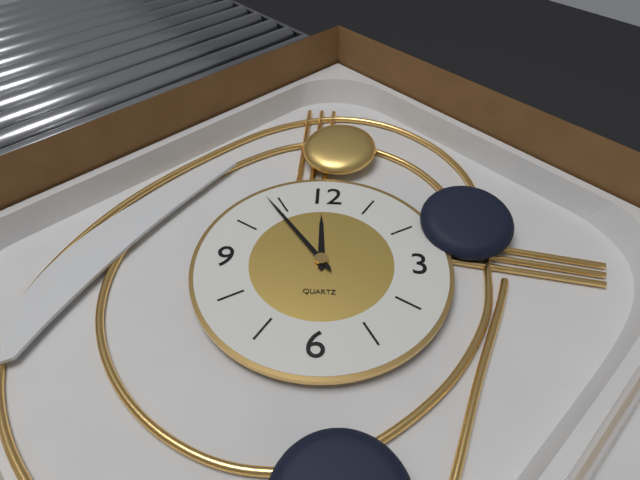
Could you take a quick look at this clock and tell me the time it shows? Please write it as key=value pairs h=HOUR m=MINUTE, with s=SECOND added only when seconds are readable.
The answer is h=11 m=54
